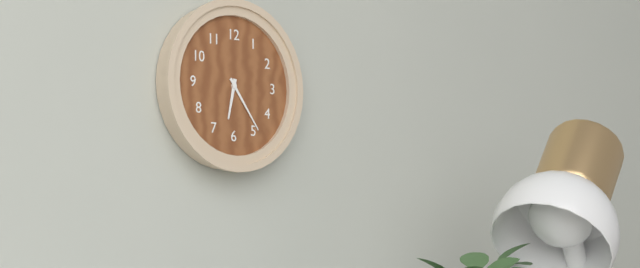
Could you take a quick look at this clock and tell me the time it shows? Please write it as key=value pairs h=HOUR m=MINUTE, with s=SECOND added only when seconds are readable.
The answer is h=6 m=24
